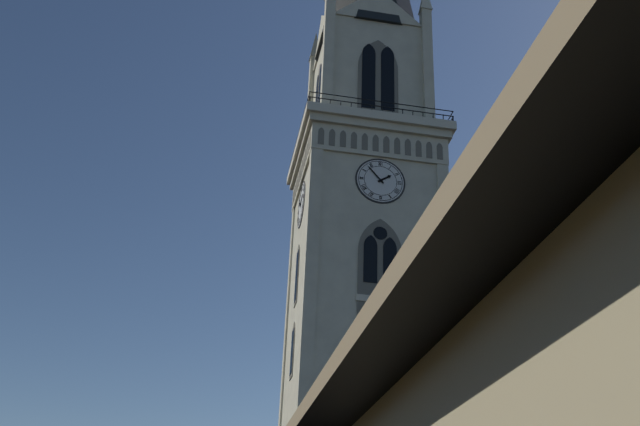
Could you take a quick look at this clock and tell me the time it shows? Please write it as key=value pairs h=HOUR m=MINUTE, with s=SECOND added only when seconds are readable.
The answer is h=1 m=53
